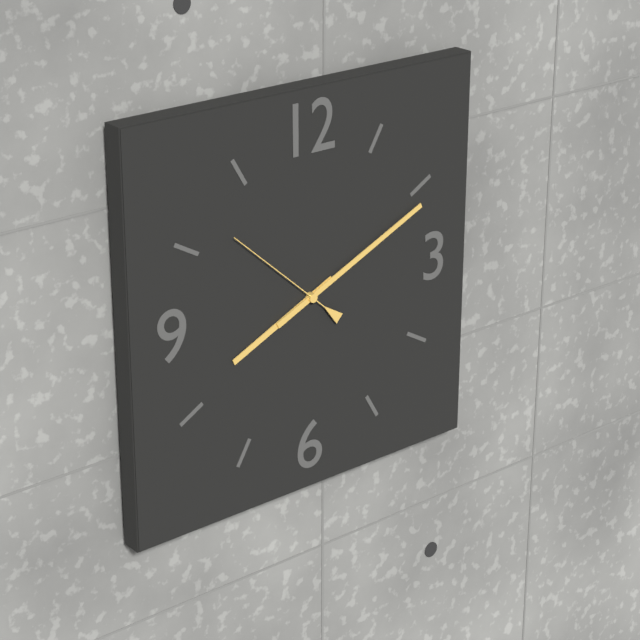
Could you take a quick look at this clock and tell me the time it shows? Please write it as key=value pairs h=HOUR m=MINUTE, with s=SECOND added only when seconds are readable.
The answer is h=8 m=11 s=52
